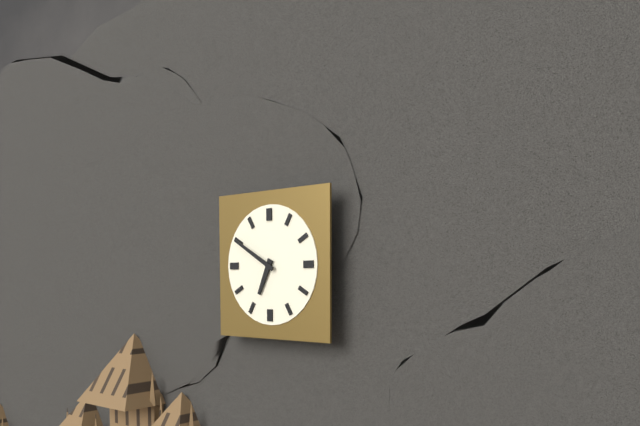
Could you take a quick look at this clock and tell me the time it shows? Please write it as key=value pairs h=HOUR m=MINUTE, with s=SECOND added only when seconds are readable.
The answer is h=6 m=50
